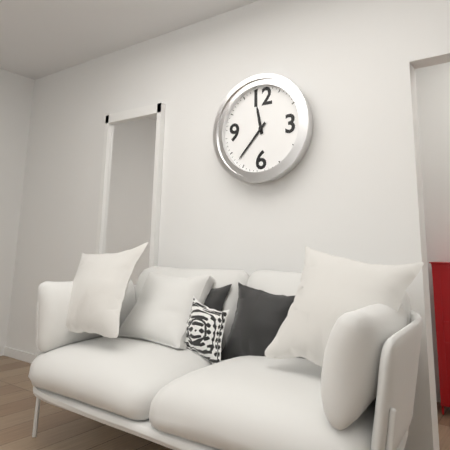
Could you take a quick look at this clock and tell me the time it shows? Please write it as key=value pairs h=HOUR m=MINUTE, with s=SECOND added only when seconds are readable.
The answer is h=11 m=37
